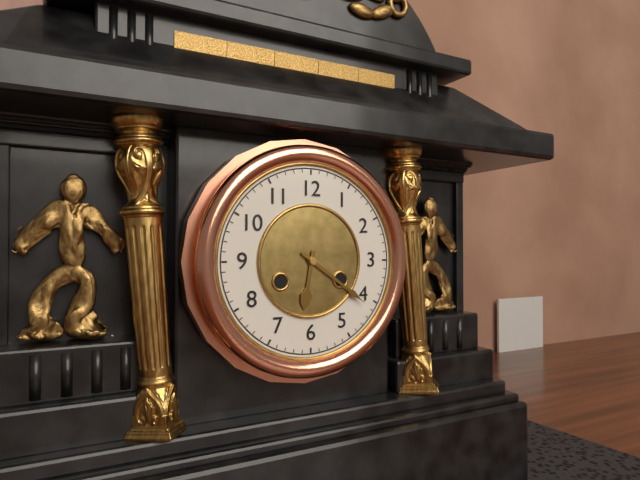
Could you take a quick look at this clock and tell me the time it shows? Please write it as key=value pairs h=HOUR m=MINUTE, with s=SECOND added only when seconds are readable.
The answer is h=6 m=21
